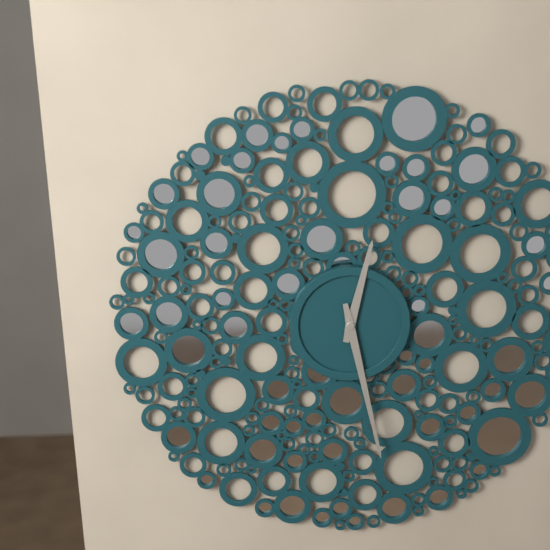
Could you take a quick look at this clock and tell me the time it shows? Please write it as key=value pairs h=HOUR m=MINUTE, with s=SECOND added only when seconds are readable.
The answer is h=12 m=28
